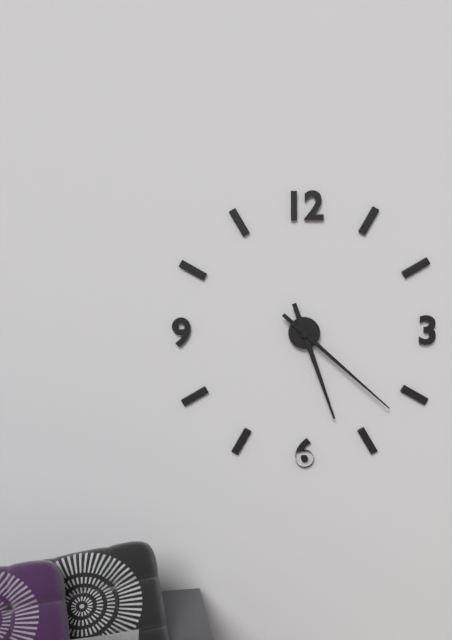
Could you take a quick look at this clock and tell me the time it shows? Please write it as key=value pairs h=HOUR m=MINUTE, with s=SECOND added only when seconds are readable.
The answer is h=5 m=22
